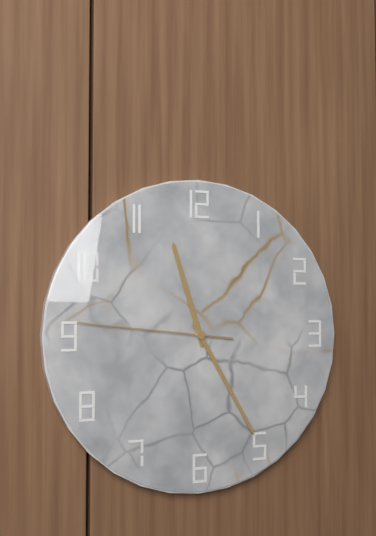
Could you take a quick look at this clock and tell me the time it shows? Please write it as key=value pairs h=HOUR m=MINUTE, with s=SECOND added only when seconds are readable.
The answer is h=11 m=25 s=46
